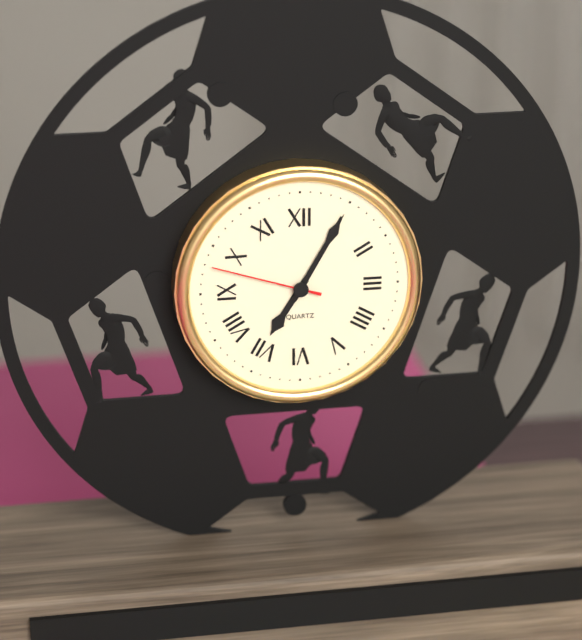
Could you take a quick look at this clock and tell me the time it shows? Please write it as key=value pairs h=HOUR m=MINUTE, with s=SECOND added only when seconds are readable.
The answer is h=7 m=5 s=48
